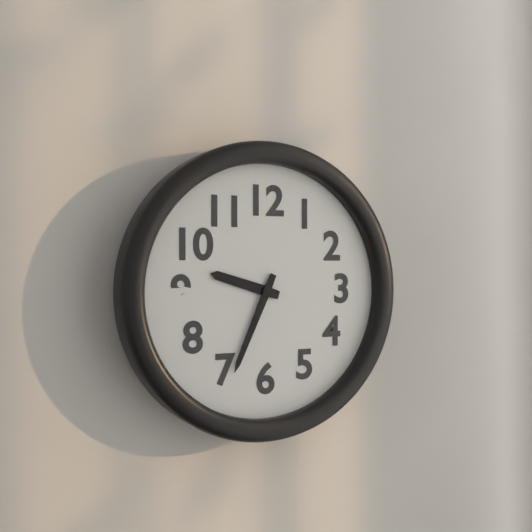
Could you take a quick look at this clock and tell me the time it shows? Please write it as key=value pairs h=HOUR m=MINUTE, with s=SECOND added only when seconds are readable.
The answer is h=9 m=34
